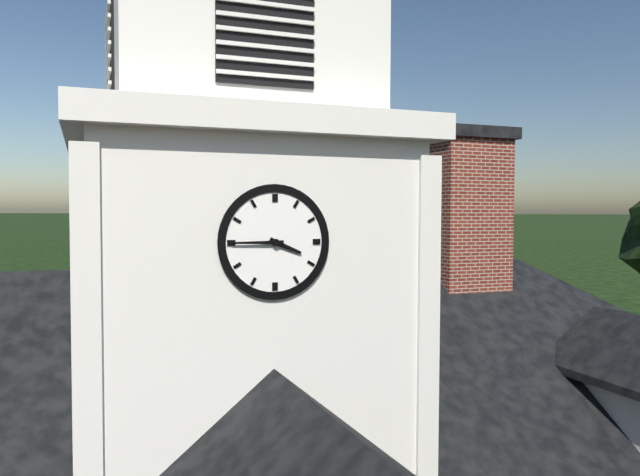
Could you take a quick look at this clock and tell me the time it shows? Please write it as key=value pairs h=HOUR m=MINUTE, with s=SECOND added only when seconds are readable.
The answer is h=3 m=45
